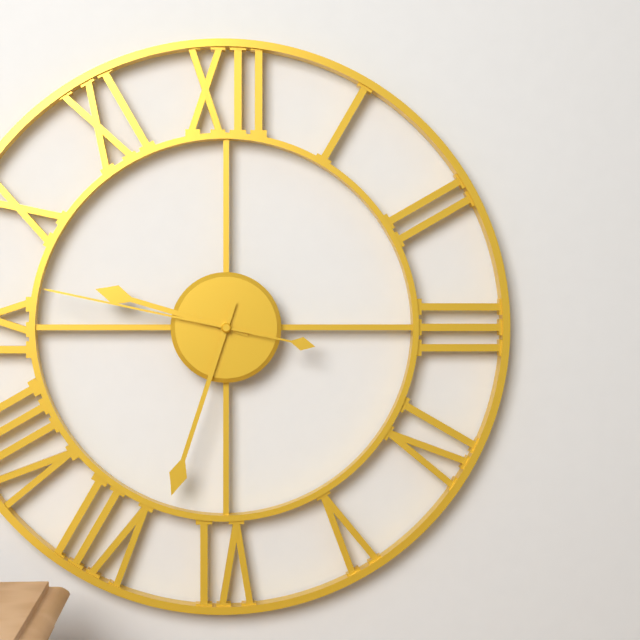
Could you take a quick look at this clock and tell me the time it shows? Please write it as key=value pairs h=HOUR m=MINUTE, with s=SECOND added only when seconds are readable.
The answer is h=9 m=33 s=47
